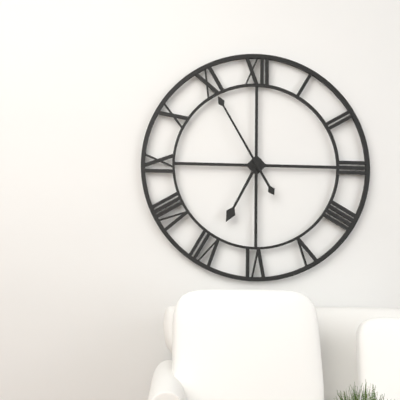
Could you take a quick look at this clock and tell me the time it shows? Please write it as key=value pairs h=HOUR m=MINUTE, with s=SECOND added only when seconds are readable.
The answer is h=6 m=55
